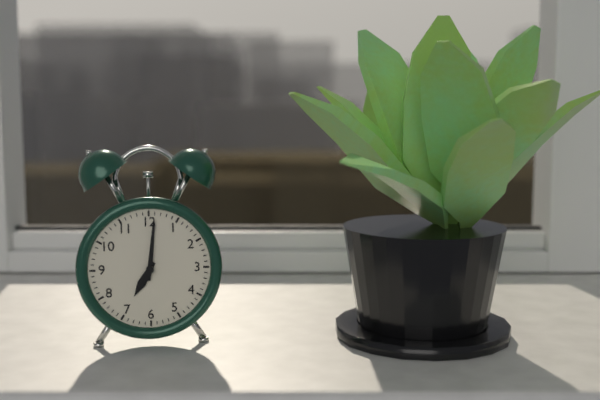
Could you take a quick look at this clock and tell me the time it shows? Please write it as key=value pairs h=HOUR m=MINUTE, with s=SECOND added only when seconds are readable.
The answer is h=7 m=1
